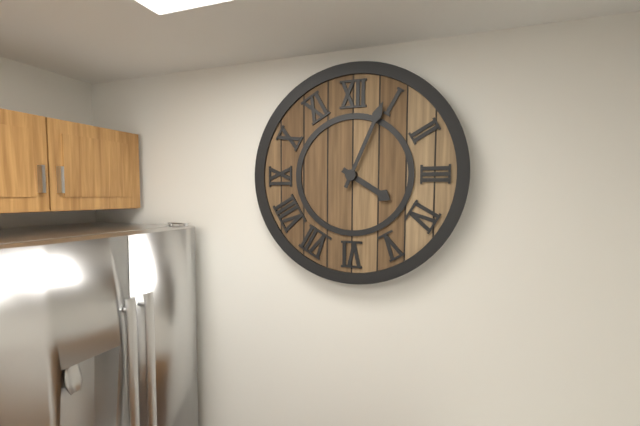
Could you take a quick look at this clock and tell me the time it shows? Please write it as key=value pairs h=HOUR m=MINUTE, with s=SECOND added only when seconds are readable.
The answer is h=4 m=4
